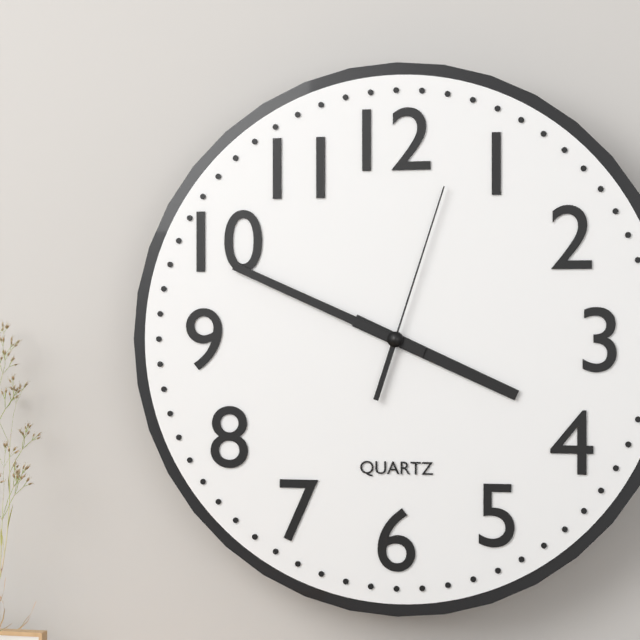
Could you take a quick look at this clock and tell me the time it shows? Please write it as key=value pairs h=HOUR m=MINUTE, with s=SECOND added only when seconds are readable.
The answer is h=3 m=49 s=3
